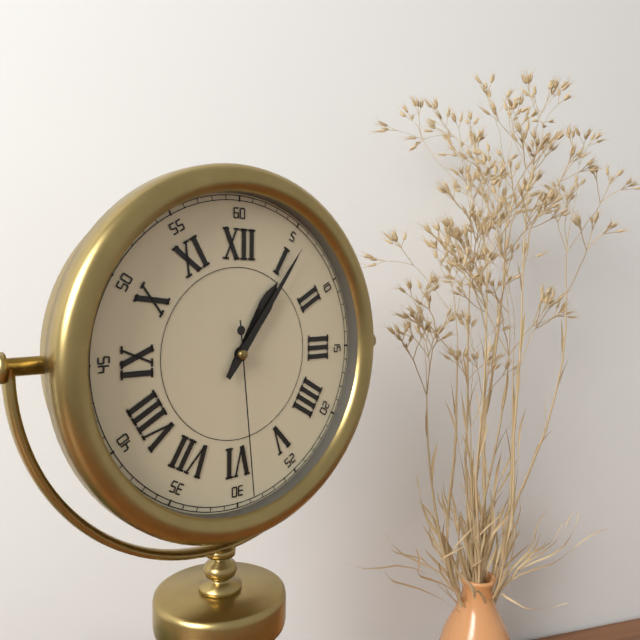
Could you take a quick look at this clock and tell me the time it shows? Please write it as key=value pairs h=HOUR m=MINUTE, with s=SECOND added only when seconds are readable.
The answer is h=1 m=6 s=29
